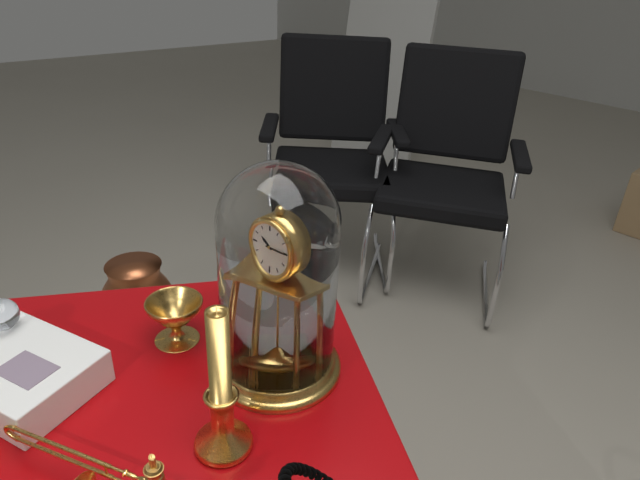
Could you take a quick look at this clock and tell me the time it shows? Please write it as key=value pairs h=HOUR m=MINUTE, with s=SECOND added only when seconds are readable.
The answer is h=10 m=15
